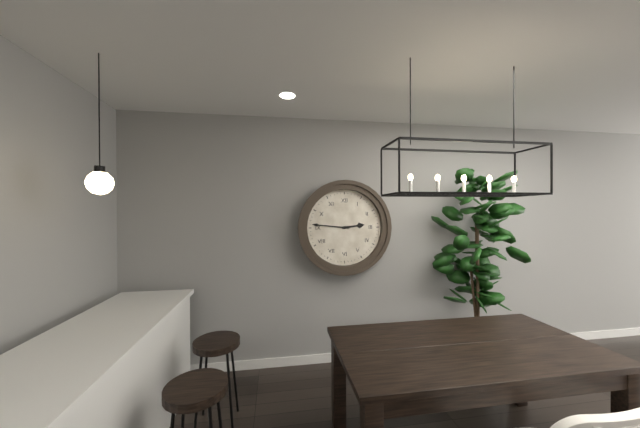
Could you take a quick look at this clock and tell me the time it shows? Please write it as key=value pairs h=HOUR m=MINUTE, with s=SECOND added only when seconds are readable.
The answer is h=2 m=46
